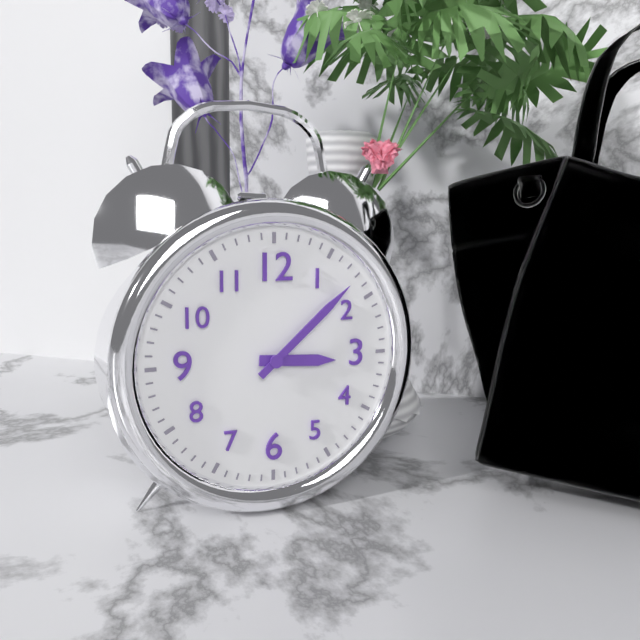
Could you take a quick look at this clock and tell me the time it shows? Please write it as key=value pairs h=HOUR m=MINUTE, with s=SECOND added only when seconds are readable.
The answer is h=3 m=8
